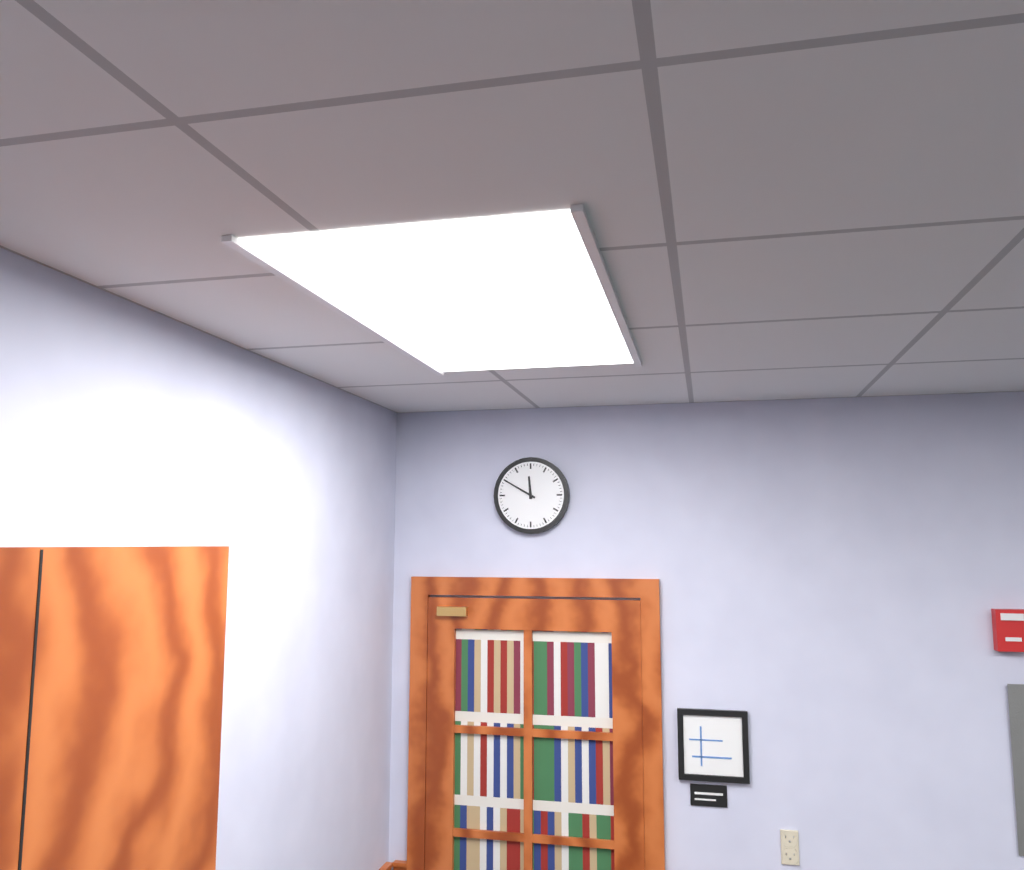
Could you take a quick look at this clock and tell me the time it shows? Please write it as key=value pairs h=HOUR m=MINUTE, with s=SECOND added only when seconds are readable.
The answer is h=11 m=50
